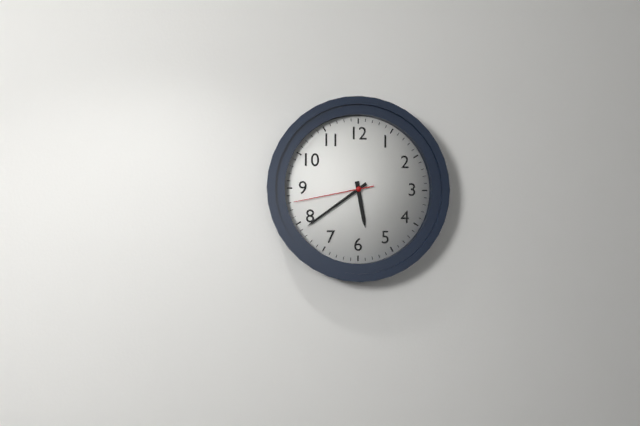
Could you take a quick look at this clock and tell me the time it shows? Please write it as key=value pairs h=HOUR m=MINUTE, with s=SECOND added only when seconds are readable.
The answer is h=5 m=39 s=43
